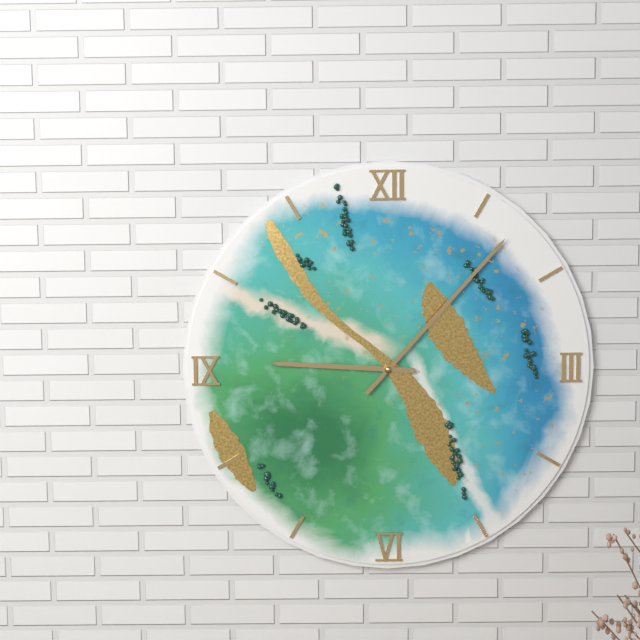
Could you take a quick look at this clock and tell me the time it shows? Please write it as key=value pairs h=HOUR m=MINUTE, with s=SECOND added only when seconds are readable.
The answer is h=9 m=7
